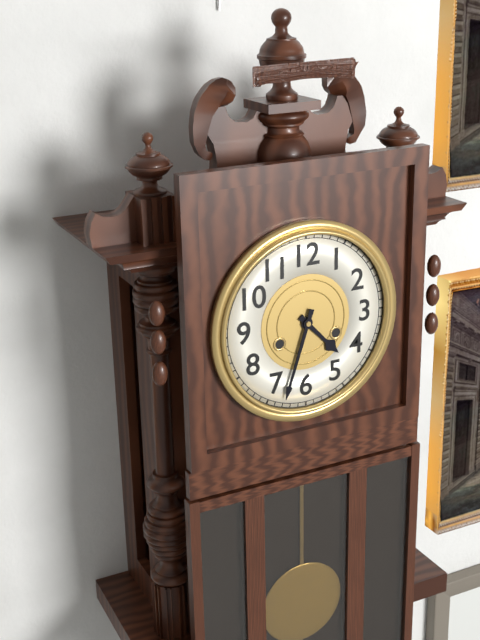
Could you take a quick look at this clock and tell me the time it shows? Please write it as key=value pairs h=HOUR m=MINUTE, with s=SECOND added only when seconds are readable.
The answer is h=4 m=33
